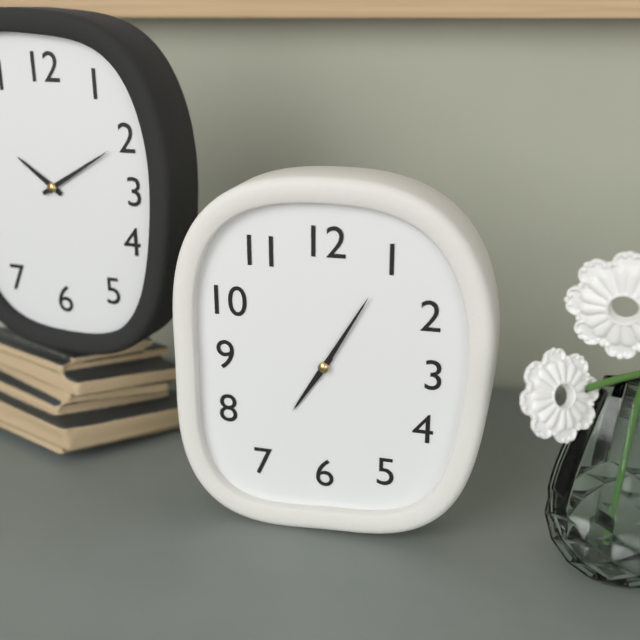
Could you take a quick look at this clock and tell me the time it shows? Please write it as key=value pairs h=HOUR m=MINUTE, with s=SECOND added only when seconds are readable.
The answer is h=7 m=5
